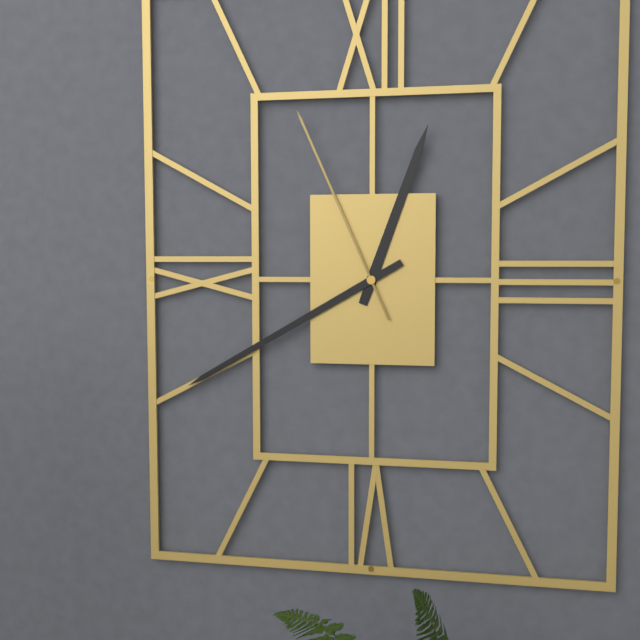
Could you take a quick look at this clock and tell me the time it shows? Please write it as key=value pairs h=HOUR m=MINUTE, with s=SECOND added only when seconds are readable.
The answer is h=12 m=40 s=56
